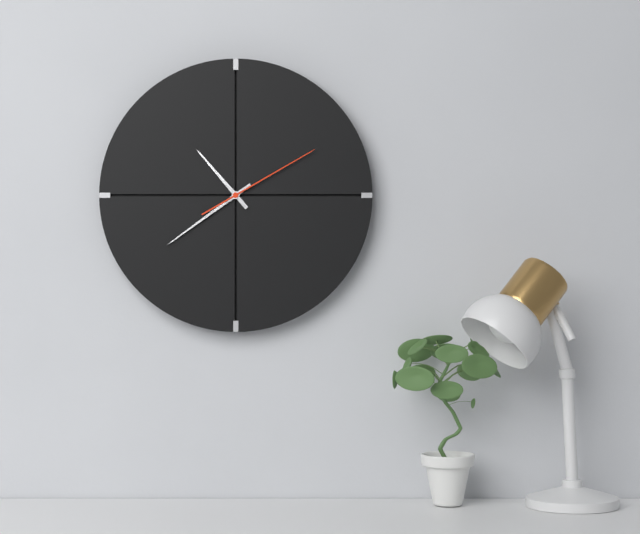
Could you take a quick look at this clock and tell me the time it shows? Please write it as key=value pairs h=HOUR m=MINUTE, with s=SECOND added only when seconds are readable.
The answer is h=10 m=39 s=10
